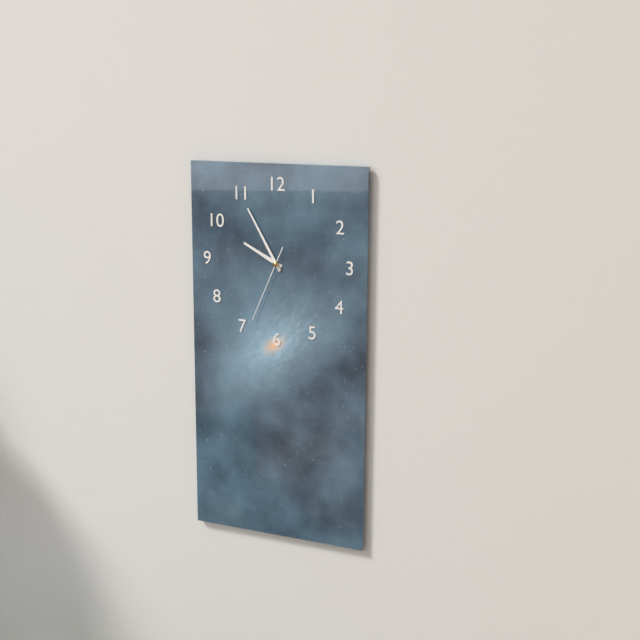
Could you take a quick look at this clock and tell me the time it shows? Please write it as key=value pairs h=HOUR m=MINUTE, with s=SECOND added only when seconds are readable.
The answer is h=9 m=55 s=34
